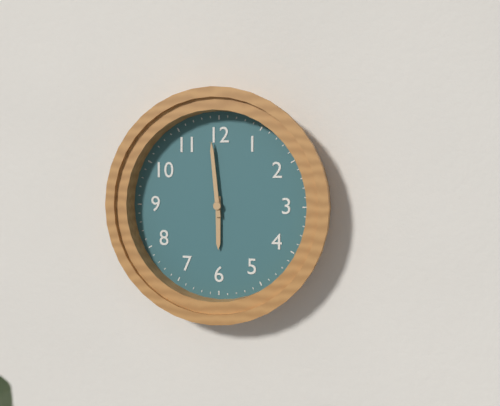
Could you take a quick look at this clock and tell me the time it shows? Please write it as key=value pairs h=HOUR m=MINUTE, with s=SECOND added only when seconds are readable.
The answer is h=5 m=59
